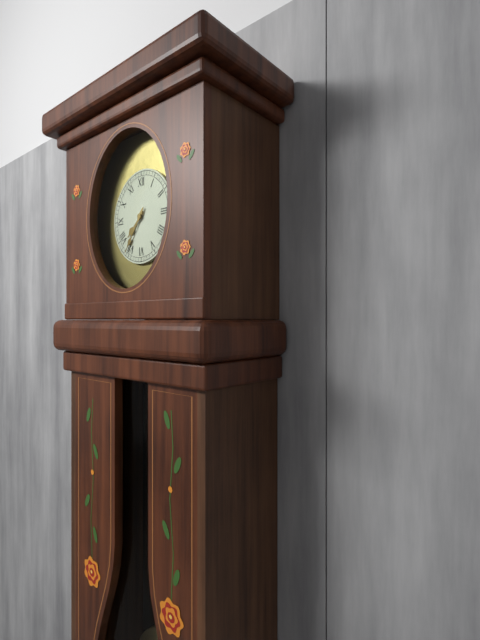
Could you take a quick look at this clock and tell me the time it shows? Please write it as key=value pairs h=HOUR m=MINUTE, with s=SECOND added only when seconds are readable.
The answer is h=7 m=36
